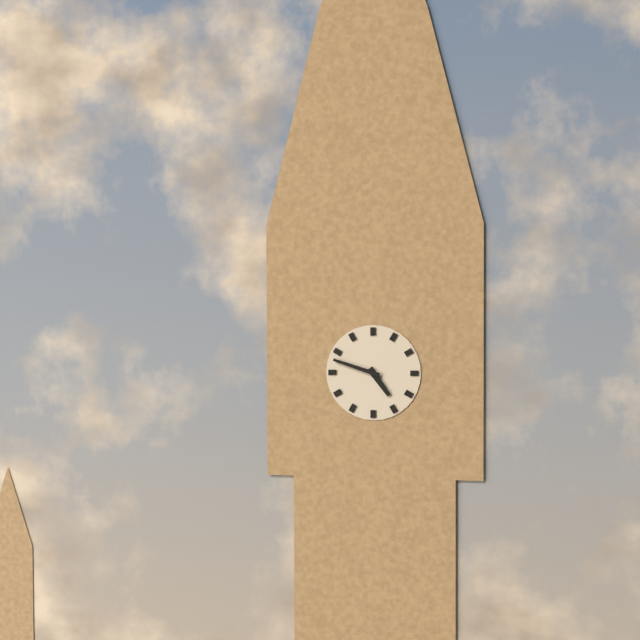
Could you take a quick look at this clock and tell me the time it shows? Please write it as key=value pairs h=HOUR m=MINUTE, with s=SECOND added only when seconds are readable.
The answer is h=4 m=48
